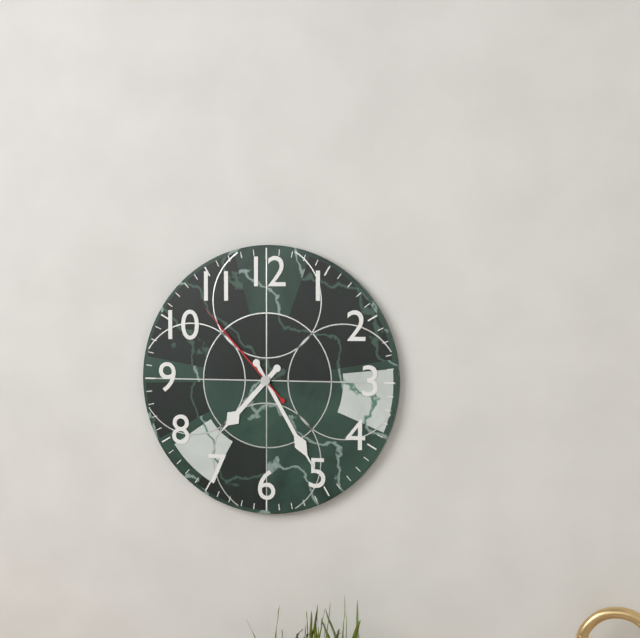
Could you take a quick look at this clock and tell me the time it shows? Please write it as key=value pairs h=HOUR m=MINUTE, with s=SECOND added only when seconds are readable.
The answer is h=7 m=25 s=53
